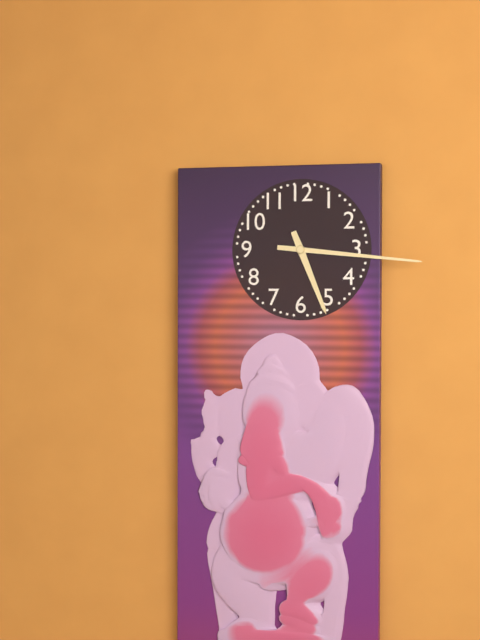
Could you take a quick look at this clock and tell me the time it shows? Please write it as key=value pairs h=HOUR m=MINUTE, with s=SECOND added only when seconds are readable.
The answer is h=5 m=16
